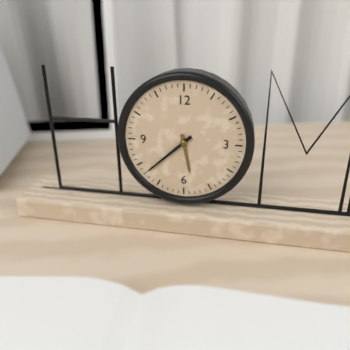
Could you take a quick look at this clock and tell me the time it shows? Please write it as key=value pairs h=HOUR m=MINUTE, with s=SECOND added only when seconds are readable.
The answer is h=5 m=38
